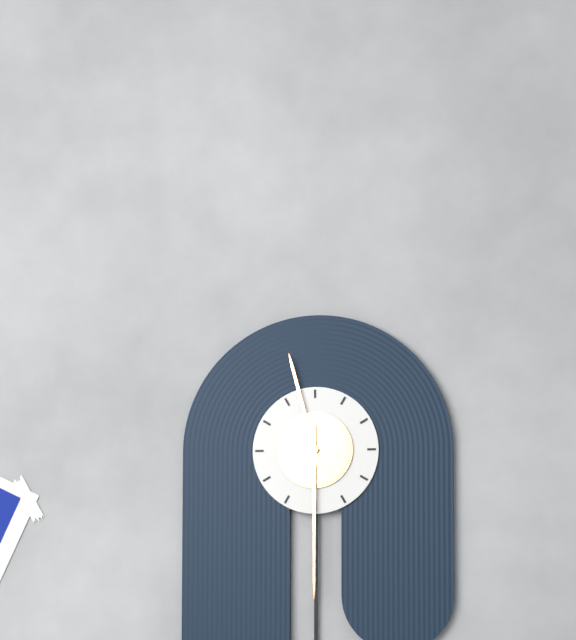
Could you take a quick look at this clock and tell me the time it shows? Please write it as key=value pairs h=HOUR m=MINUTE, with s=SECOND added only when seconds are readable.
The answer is h=11 m=30
